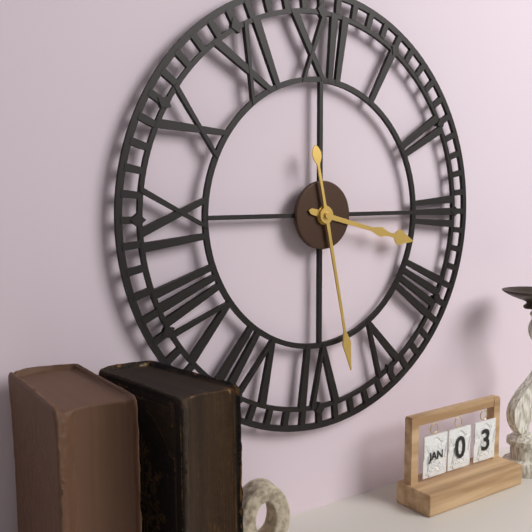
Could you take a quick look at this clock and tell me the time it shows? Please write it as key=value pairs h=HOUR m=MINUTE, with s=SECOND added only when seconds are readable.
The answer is h=3 m=28
